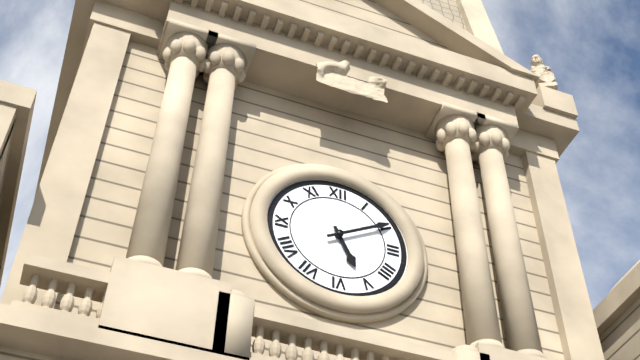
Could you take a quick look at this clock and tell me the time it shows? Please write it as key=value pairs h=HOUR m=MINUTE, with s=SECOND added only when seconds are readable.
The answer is h=5 m=10
